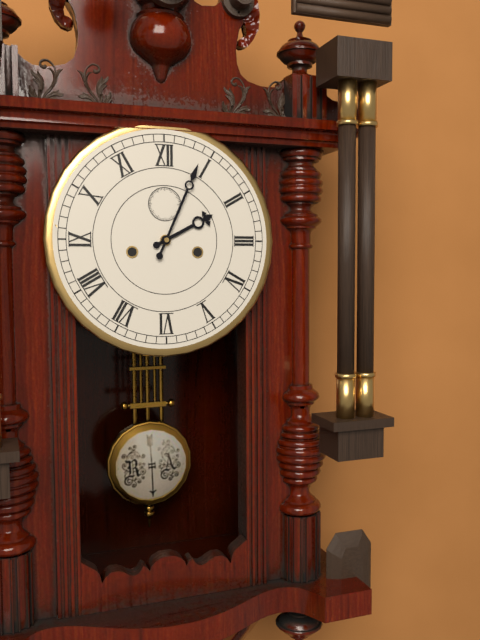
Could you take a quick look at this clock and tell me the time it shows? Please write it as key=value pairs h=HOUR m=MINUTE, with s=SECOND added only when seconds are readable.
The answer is h=2 m=4
